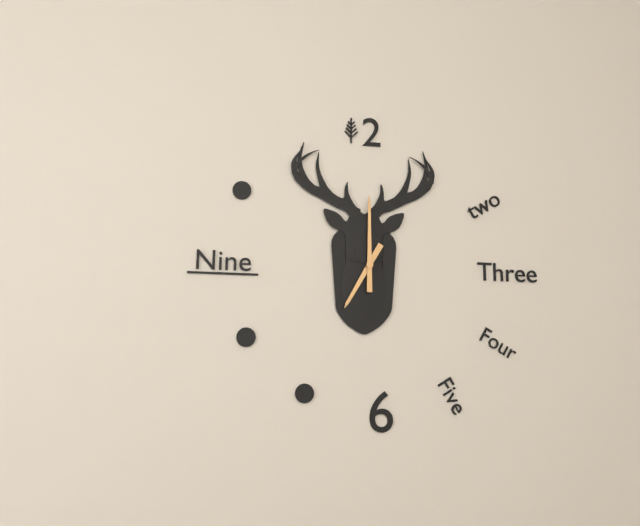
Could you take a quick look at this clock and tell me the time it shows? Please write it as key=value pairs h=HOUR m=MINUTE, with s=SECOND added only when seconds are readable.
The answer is h=7 m=0
